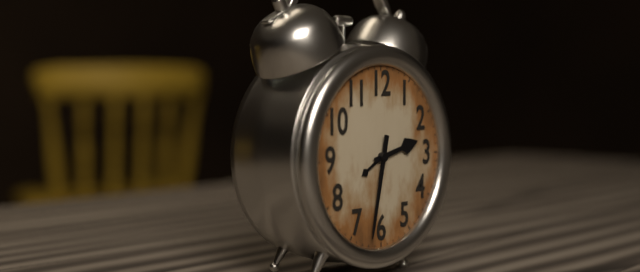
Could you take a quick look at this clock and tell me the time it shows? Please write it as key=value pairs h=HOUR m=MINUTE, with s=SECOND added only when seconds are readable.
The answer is h=2 m=32
